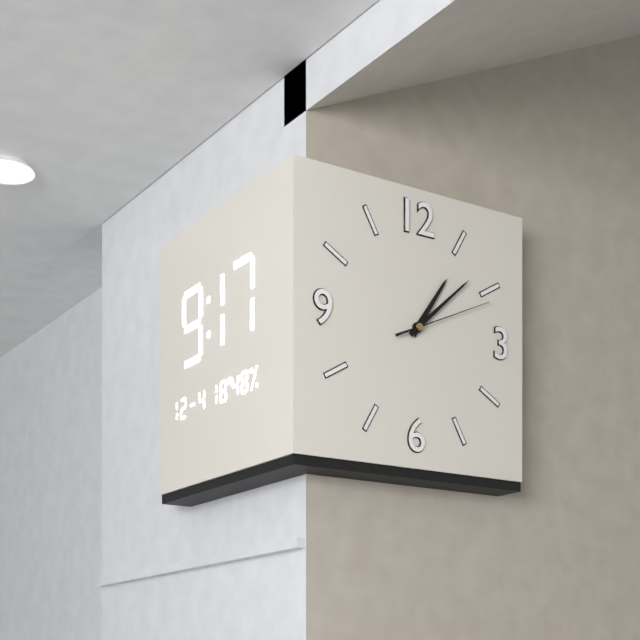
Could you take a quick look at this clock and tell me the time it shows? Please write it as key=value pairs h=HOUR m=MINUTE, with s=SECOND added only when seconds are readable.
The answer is h=1 m=8 s=11
